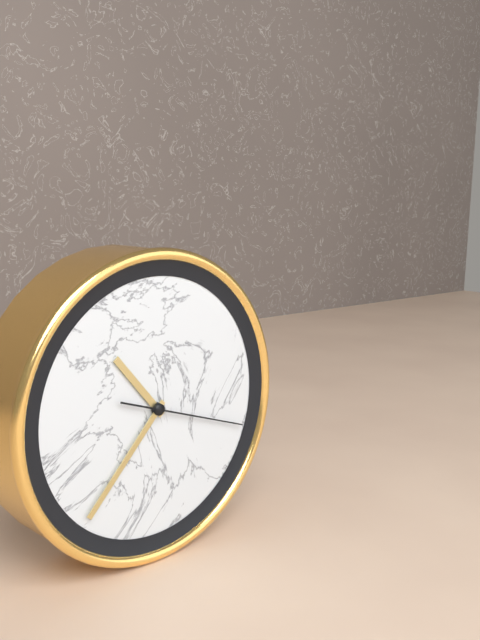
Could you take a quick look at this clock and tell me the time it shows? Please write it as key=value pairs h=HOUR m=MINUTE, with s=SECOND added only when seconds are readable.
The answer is h=10 m=37 s=18
